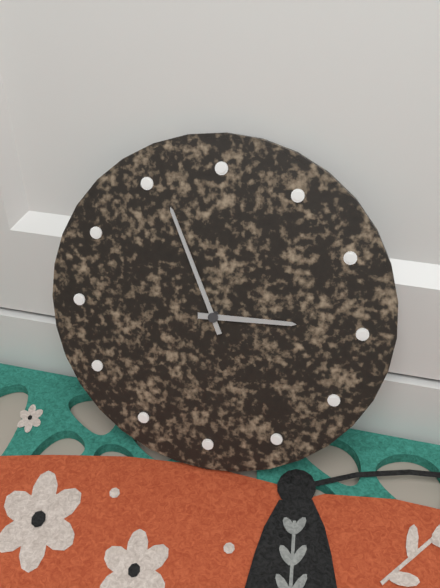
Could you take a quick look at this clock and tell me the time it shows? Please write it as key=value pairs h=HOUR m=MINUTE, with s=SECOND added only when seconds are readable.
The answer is h=2 m=56
